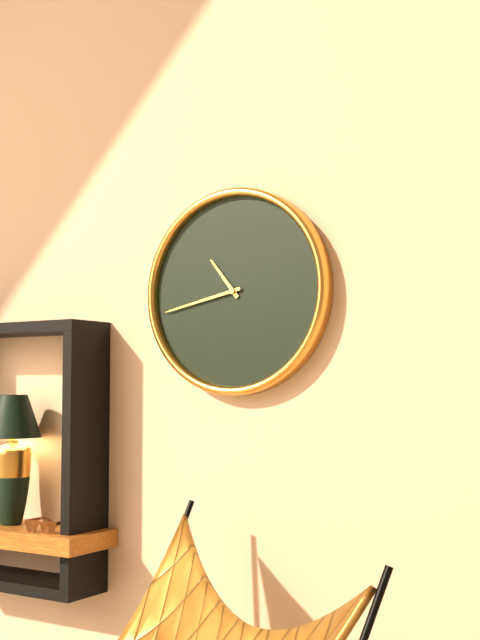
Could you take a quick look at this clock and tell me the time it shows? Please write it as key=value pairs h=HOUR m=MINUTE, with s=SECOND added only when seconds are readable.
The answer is h=10 m=43
